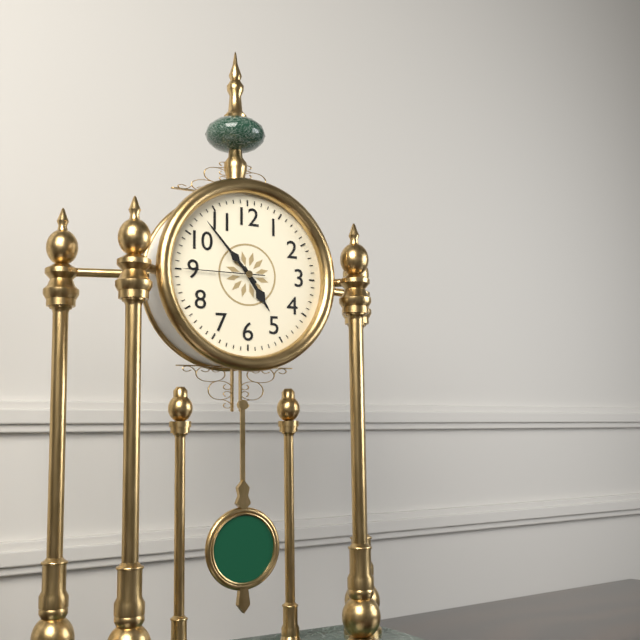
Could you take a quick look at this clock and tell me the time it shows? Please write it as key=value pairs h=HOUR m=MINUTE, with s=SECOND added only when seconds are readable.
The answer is h=4 m=53 s=45
